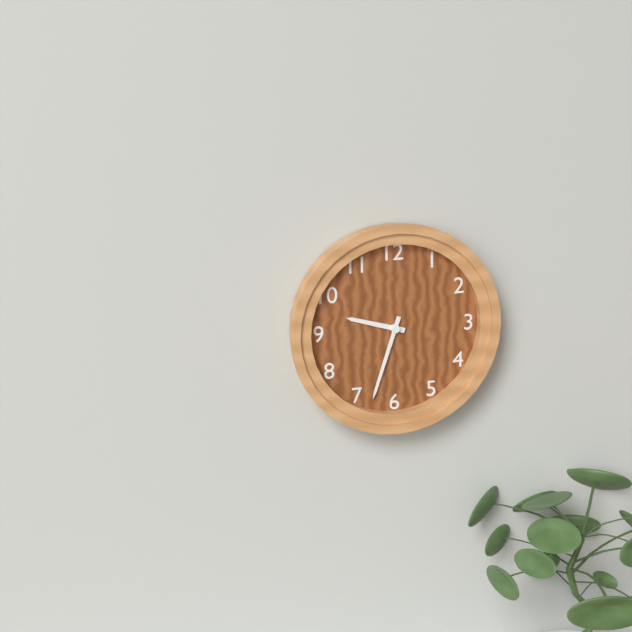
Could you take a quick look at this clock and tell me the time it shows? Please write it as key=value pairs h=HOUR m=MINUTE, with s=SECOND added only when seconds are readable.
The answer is h=9 m=33
